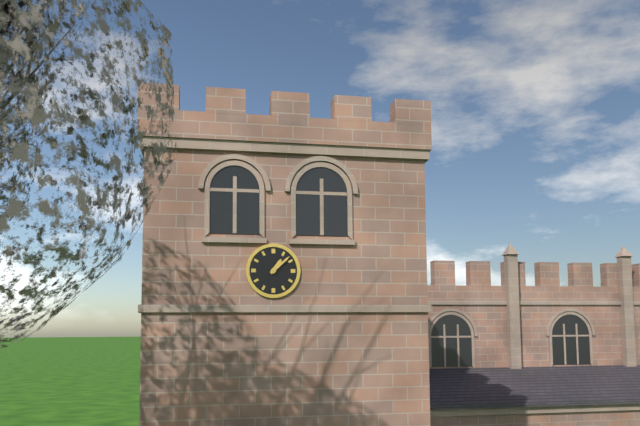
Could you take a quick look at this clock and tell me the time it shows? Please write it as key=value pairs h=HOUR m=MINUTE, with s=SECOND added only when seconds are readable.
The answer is h=1 m=8
